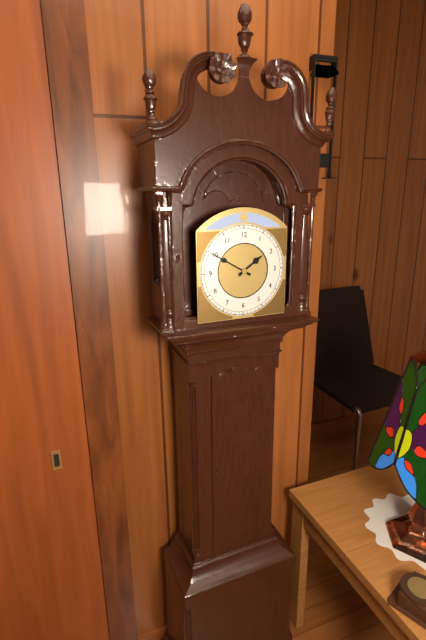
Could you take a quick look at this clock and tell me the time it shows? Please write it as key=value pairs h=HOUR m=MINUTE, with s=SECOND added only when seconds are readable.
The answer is h=1 m=50
